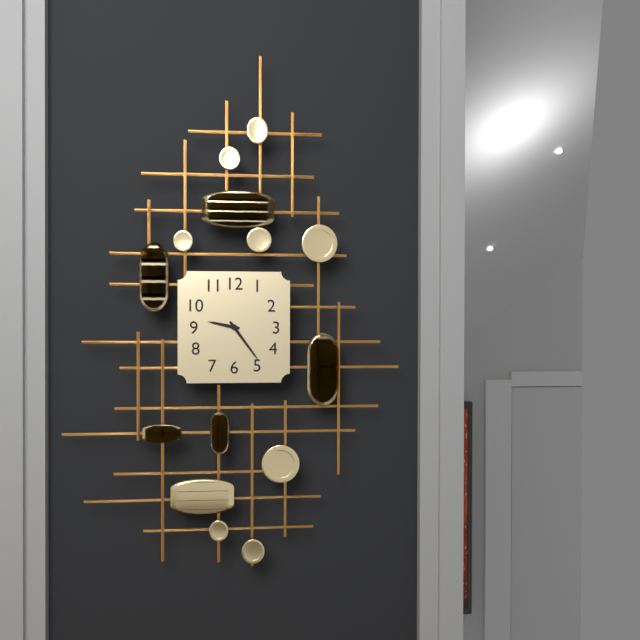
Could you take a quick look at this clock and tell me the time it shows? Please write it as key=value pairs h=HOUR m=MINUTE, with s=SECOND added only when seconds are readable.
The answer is h=9 m=24
